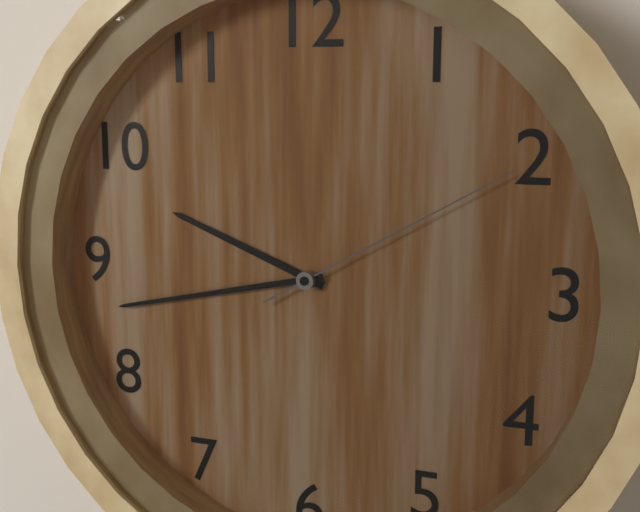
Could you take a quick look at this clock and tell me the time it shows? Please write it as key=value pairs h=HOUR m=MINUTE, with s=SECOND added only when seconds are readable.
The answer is h=9 m=43 s=10
